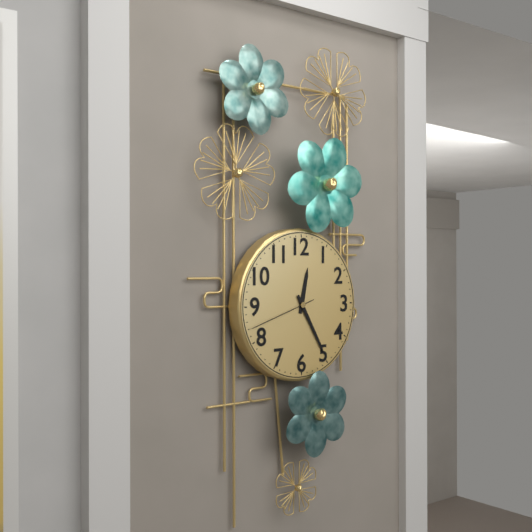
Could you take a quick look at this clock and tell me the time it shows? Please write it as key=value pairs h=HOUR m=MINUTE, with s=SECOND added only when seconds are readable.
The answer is h=12 m=25 s=42
